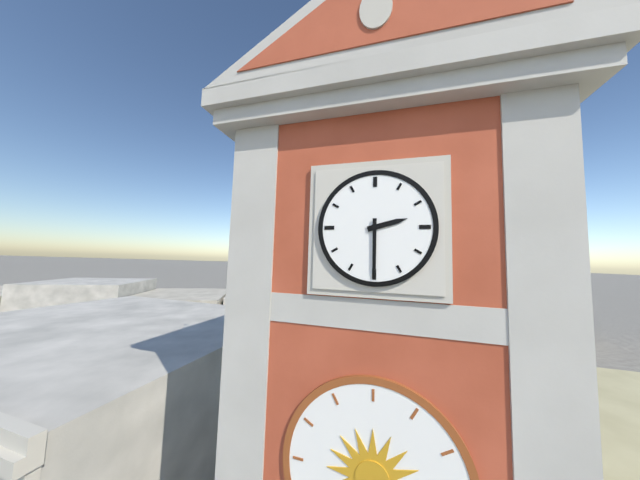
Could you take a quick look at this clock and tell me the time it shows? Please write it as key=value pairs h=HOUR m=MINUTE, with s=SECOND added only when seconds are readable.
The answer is h=2 m=30
